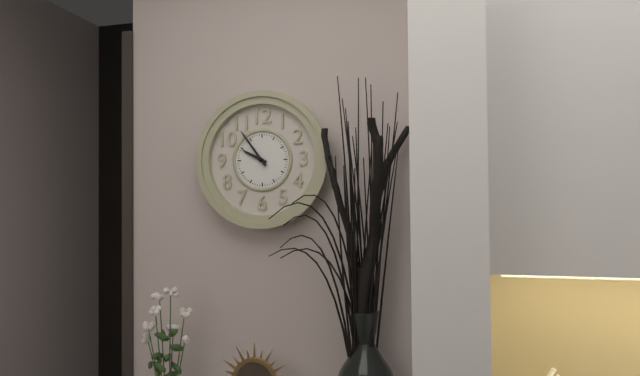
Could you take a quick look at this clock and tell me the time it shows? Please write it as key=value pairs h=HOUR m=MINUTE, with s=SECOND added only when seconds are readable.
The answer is h=9 m=54
